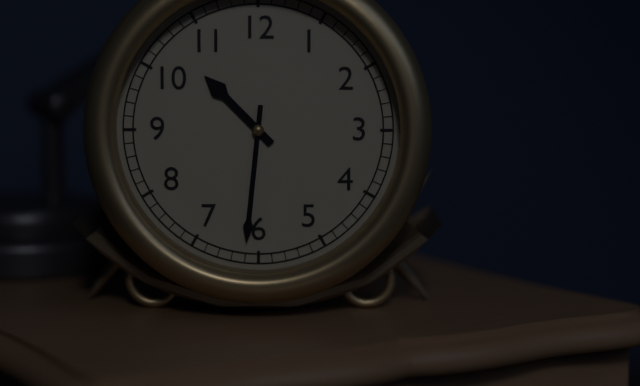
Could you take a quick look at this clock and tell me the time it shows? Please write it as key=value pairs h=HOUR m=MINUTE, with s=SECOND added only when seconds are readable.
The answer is h=10 m=31
